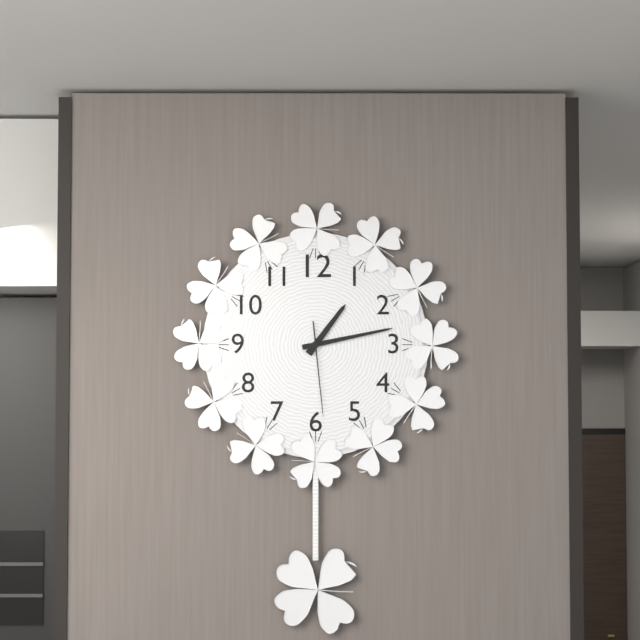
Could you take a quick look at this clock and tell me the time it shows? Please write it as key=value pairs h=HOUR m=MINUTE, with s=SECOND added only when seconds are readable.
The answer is h=1 m=13 s=29
